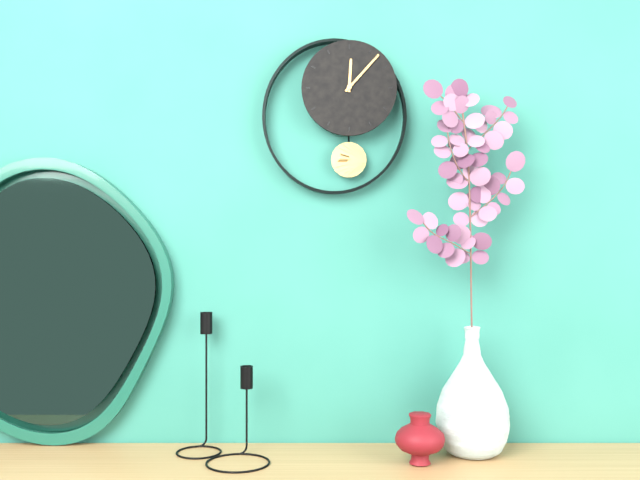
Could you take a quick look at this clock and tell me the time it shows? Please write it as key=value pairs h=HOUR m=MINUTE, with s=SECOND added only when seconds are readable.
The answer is h=12 m=7
